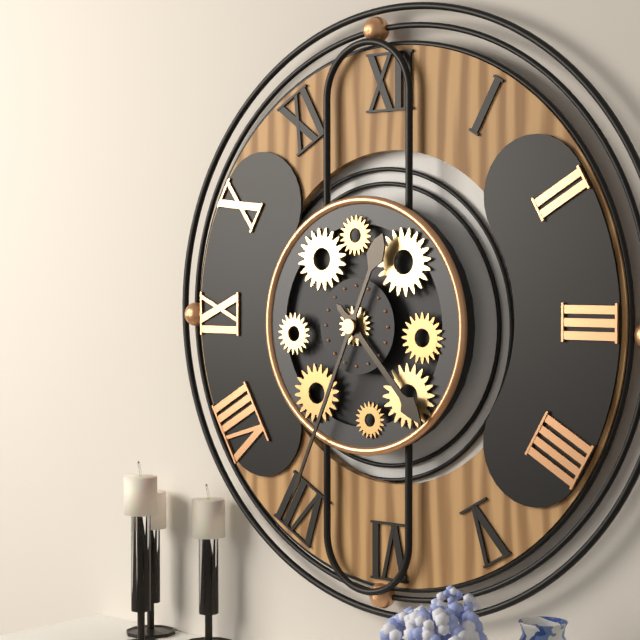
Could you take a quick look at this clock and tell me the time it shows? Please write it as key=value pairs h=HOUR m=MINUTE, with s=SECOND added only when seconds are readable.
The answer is h=4 m=34
